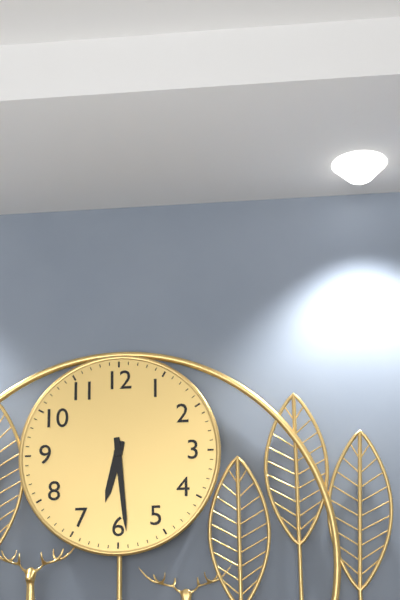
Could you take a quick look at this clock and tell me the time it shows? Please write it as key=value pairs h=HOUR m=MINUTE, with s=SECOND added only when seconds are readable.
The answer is h=6 m=29
